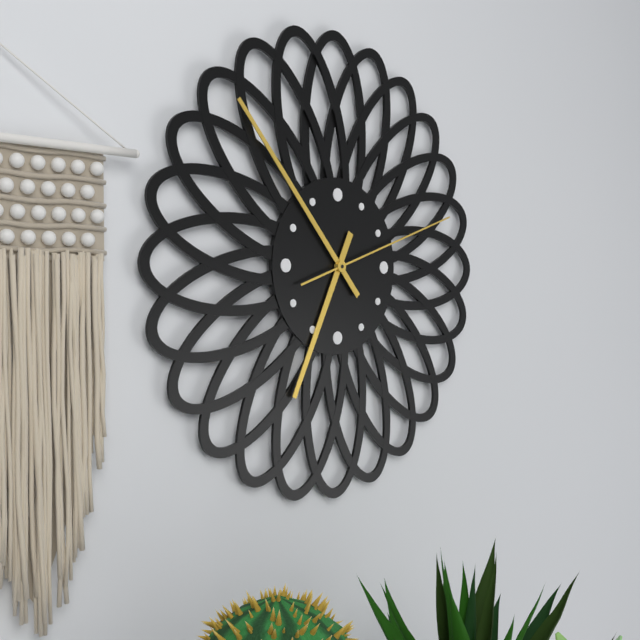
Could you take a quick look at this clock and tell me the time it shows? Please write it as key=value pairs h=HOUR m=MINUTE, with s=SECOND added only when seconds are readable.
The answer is h=6 m=53 s=12
